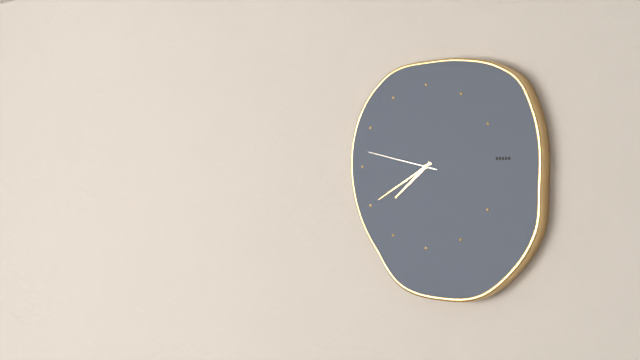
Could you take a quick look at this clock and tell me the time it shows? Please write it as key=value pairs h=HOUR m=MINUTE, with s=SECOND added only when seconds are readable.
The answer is h=7 m=40 s=47
